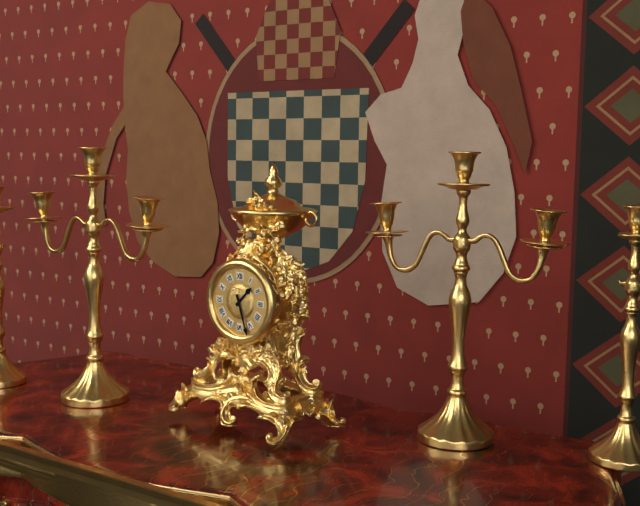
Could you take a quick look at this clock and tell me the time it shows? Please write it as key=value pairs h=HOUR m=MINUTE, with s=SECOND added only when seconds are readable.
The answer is h=1 m=27
